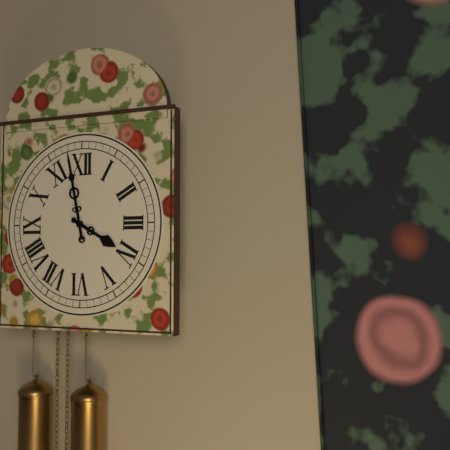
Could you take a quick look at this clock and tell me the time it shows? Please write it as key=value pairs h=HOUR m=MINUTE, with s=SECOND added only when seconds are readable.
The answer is h=3 m=58
